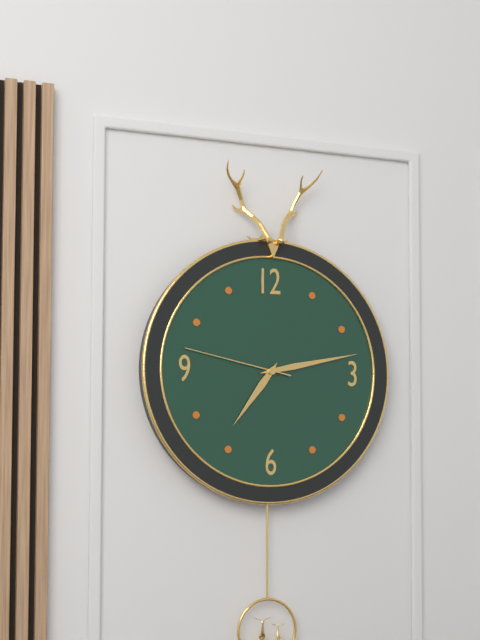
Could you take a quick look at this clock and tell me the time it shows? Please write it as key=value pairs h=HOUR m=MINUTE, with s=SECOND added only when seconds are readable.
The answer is h=7 m=13 s=47
